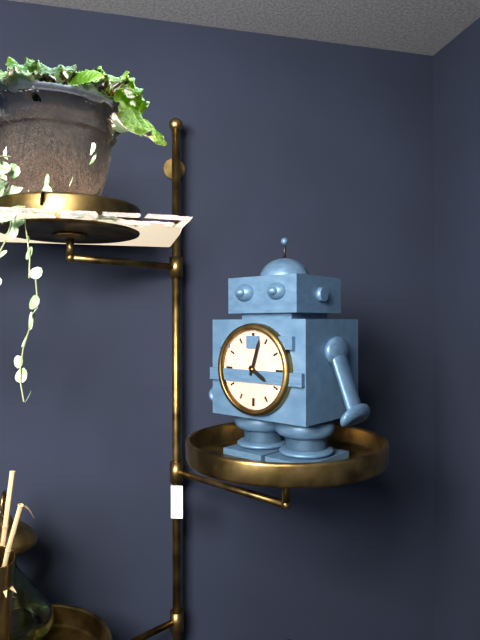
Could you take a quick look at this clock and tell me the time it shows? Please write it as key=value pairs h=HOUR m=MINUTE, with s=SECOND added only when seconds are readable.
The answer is h=4 m=3
